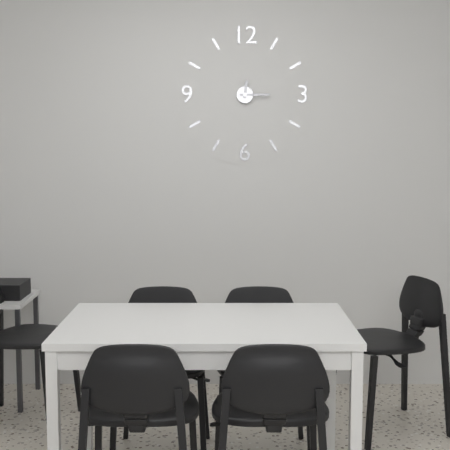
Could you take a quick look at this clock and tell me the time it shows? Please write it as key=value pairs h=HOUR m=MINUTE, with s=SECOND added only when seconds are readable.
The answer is h=12 m=15
